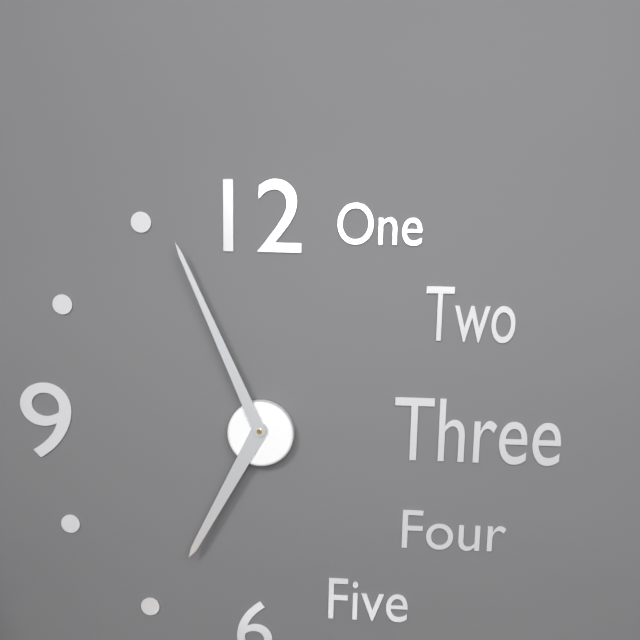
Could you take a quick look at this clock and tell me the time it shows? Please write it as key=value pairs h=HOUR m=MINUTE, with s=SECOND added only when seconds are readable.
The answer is h=6 m=56
